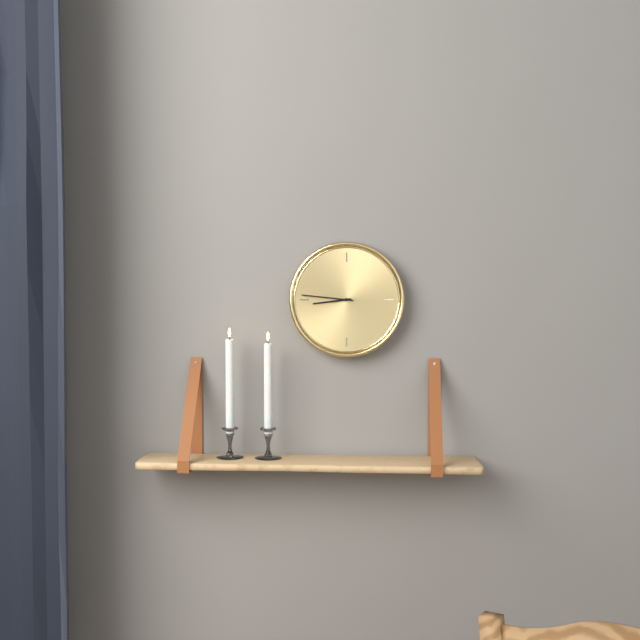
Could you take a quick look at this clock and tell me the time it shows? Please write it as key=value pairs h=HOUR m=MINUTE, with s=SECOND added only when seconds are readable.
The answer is h=8 m=46
